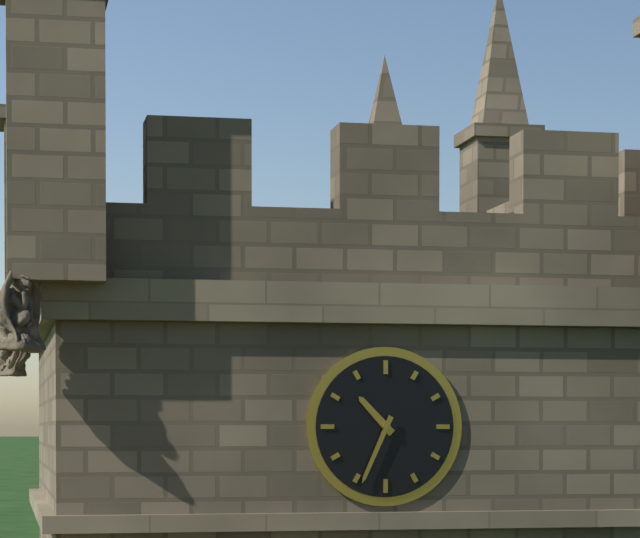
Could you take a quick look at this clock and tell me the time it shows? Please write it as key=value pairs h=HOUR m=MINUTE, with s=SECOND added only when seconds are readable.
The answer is h=10 m=34
